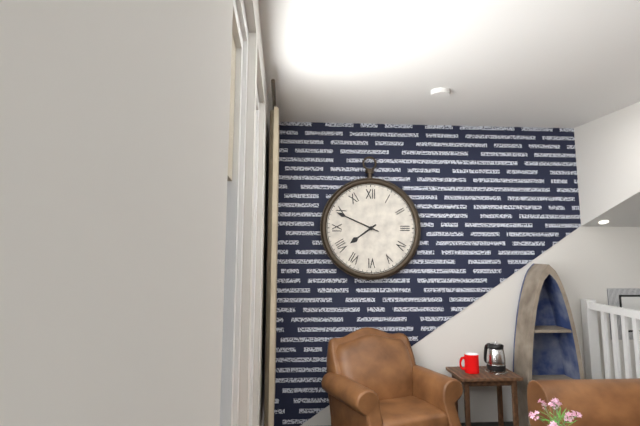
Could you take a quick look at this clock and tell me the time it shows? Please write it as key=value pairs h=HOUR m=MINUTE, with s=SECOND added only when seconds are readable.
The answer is h=7 m=49
